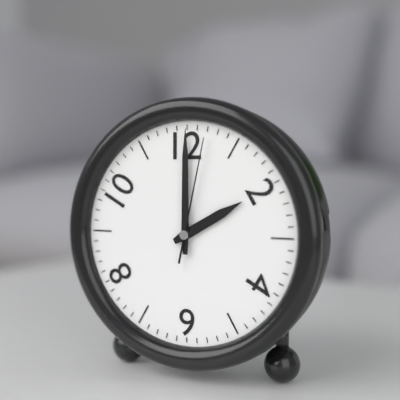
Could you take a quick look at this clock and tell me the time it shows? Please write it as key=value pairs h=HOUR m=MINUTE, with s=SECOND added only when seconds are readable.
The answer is h=2 m=0 s=2
